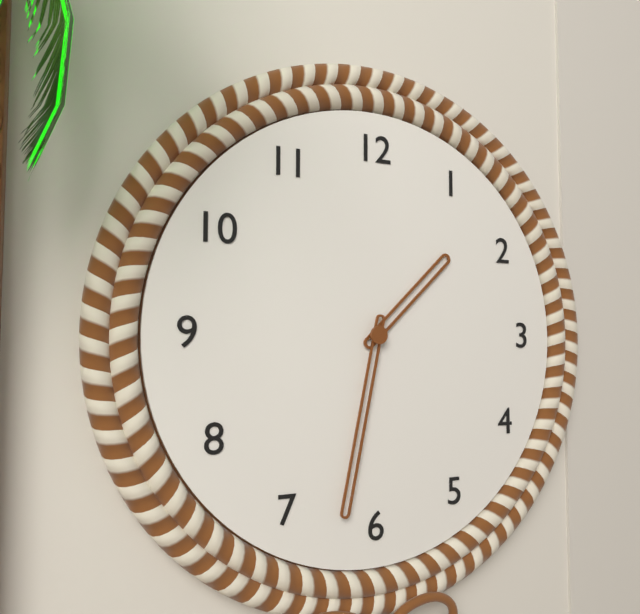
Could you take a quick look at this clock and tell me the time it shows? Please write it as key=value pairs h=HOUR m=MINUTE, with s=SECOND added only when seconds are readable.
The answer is h=1 m=32
